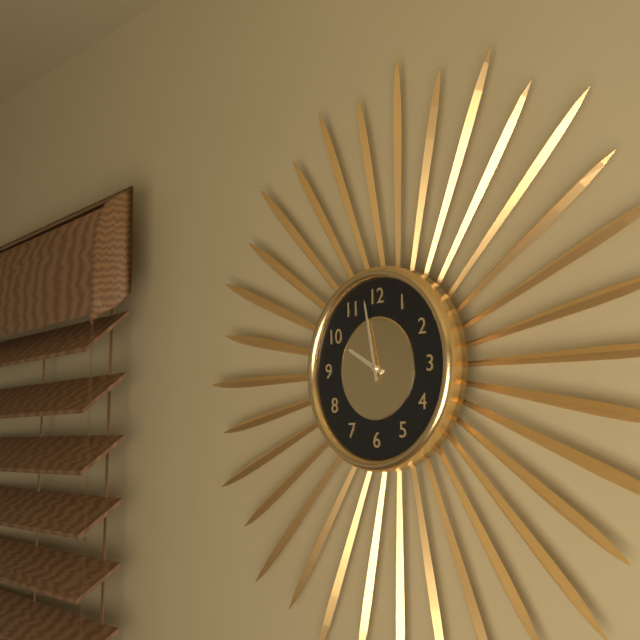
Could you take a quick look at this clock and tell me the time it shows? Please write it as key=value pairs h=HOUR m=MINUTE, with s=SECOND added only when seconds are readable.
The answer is h=9 m=58
